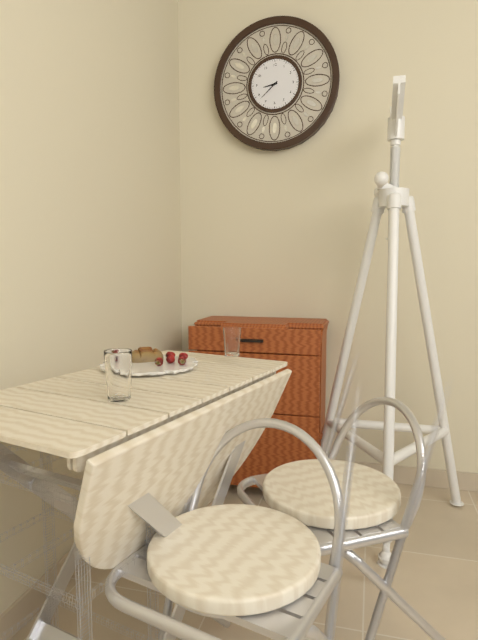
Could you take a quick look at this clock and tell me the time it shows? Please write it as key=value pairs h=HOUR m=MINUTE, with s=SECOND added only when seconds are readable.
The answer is h=8 m=38
